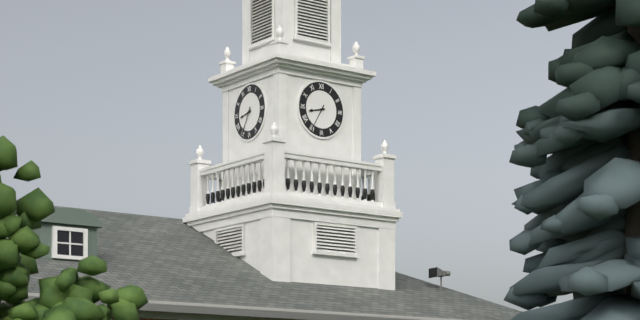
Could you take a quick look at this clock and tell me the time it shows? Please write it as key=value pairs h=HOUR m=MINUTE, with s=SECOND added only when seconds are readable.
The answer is h=8 m=35
